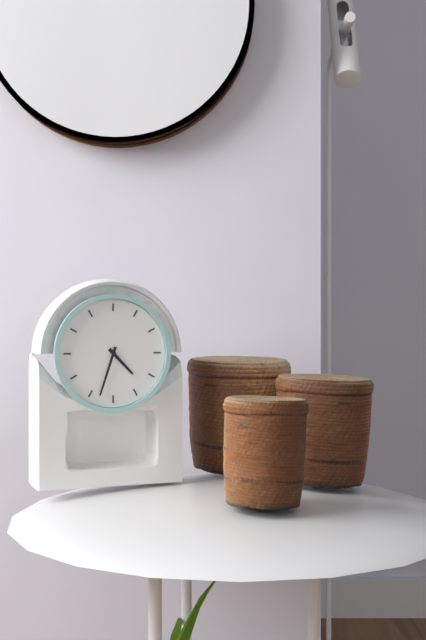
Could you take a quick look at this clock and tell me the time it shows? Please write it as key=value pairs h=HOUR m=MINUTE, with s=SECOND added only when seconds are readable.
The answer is h=4 m=33
